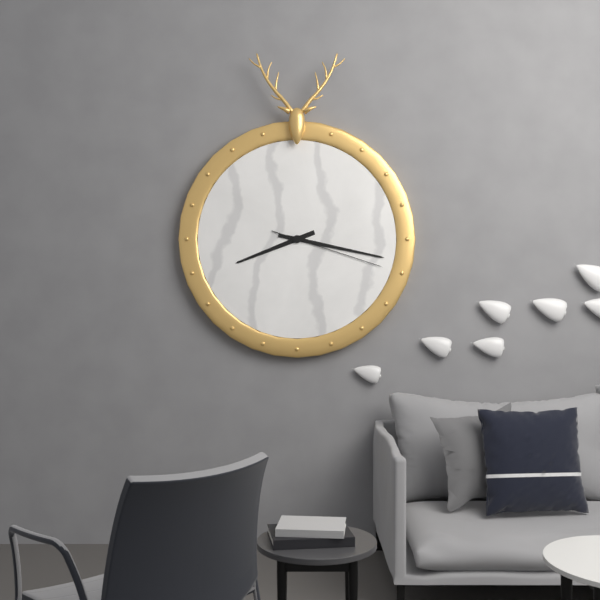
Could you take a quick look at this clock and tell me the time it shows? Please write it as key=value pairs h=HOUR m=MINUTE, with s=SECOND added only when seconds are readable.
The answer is h=8 m=17 s=18
